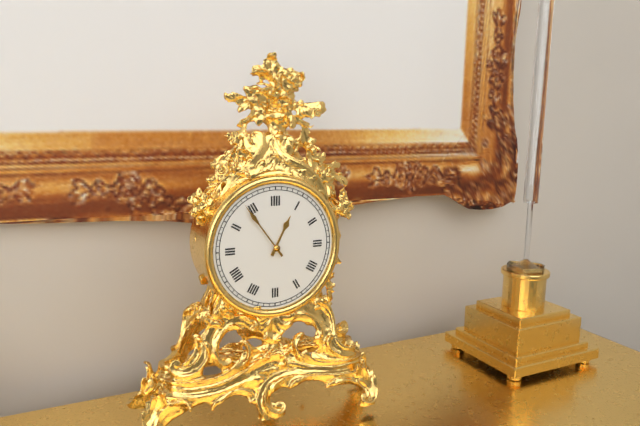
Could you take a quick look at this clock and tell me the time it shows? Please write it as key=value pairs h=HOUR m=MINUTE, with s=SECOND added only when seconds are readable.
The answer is h=12 m=54
